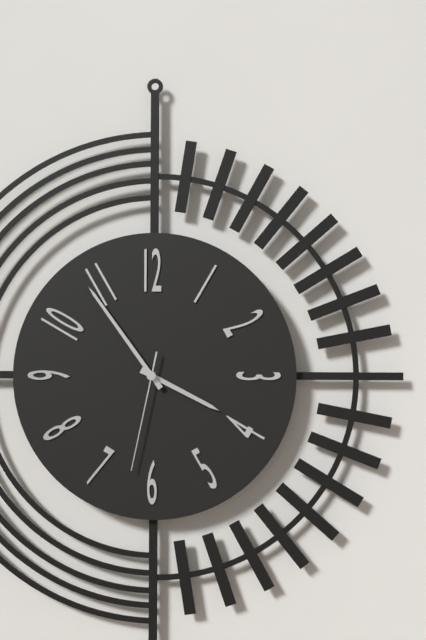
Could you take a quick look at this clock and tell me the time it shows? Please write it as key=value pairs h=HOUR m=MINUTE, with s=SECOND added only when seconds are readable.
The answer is h=3 m=54 s=32
